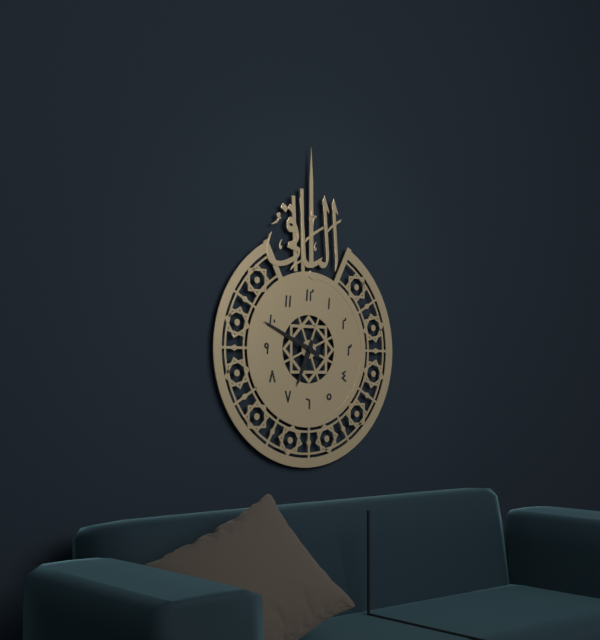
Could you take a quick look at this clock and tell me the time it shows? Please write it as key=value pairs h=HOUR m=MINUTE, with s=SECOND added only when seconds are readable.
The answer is h=6 m=49
